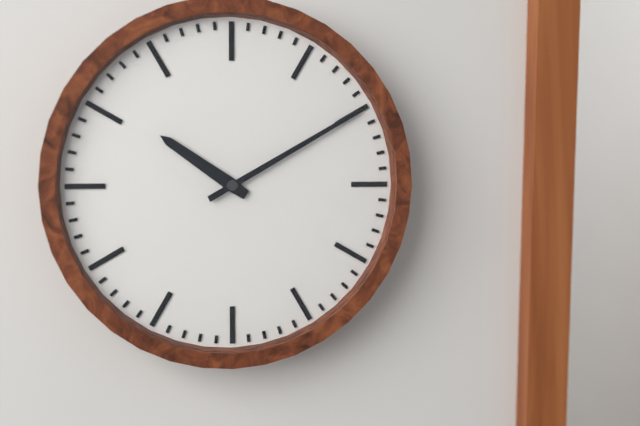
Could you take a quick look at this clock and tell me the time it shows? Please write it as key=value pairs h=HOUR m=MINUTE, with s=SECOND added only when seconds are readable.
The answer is h=10 m=10
